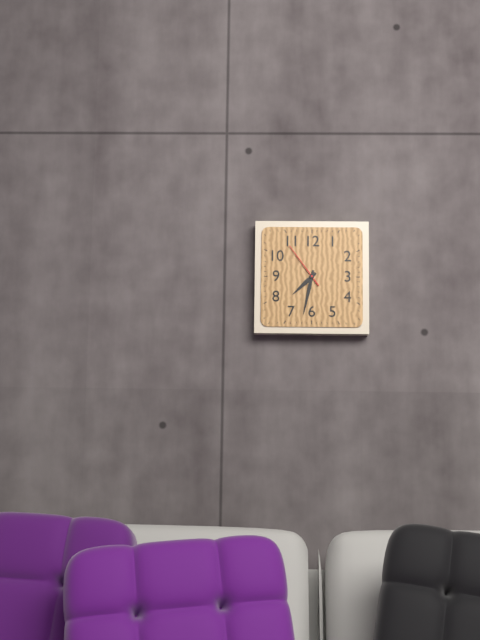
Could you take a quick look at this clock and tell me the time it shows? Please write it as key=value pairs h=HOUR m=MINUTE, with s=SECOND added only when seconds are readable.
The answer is h=7 m=32
